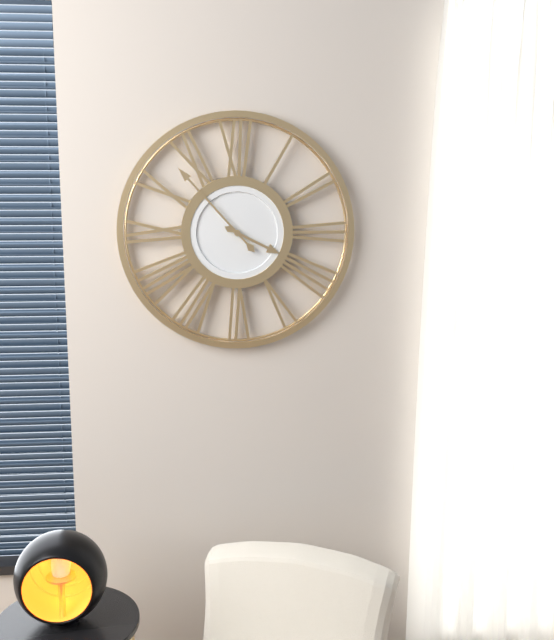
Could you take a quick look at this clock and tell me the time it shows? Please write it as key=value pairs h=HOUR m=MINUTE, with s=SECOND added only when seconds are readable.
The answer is h=3 m=53
